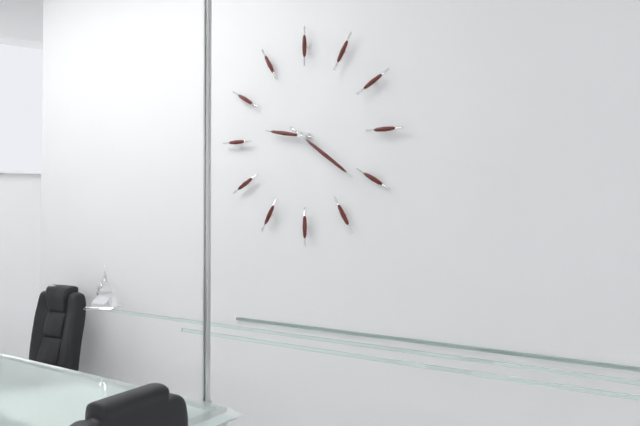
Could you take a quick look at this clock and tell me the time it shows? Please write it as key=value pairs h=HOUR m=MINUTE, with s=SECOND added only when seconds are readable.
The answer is h=9 m=21
